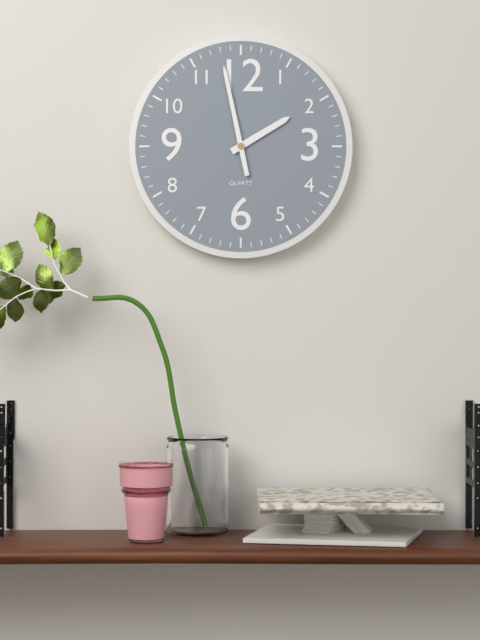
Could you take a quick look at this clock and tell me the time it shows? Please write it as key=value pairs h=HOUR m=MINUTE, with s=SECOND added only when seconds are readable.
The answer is h=1 m=58
